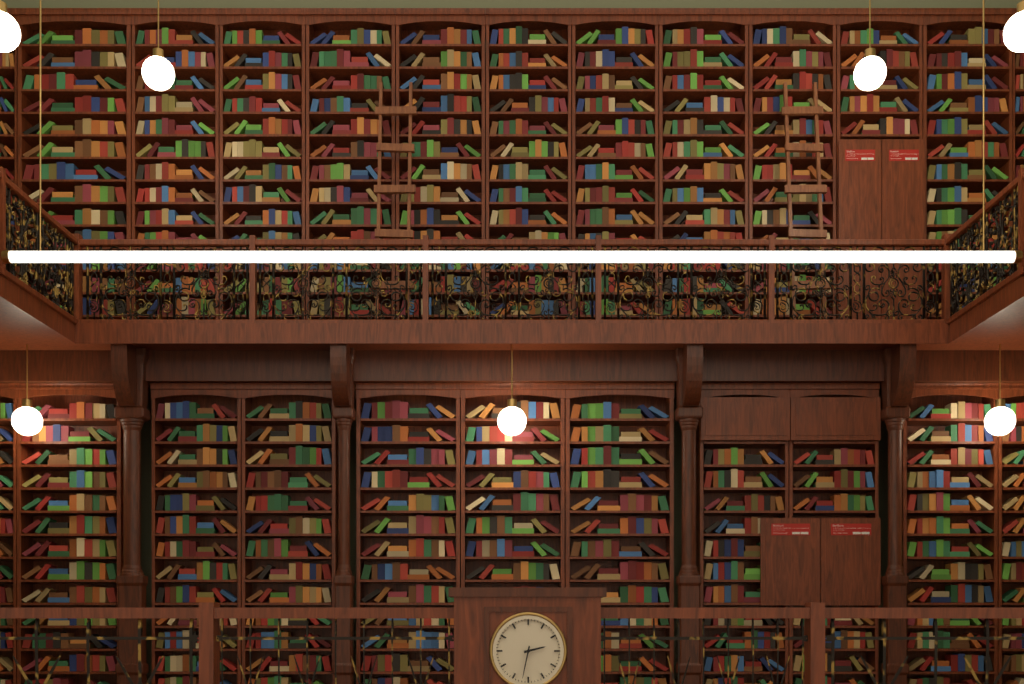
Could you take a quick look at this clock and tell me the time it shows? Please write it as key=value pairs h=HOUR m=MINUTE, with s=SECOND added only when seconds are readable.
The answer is h=2 m=32
